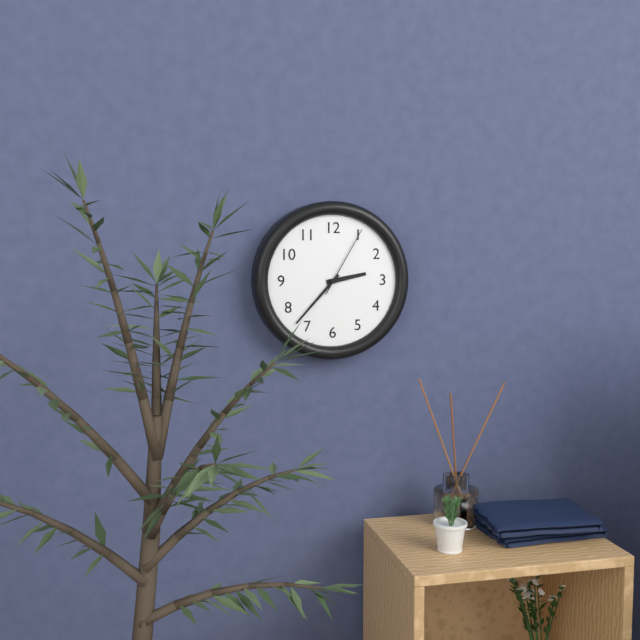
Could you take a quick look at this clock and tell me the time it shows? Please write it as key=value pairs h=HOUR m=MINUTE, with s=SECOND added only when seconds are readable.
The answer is h=2 m=37 s=5
